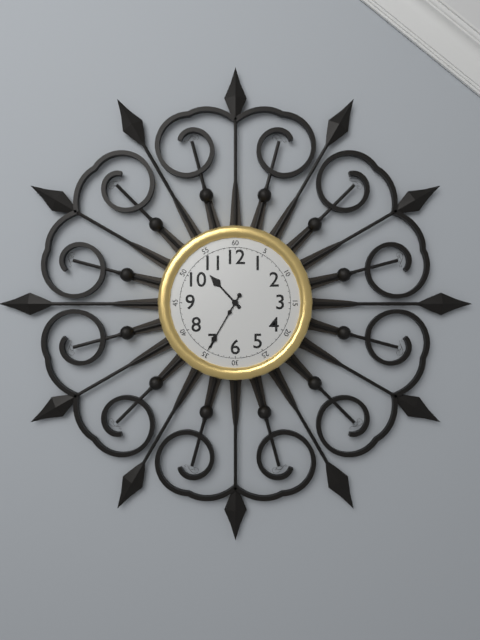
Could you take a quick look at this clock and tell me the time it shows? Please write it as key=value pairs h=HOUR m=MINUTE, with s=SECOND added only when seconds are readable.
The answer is h=10 m=35
